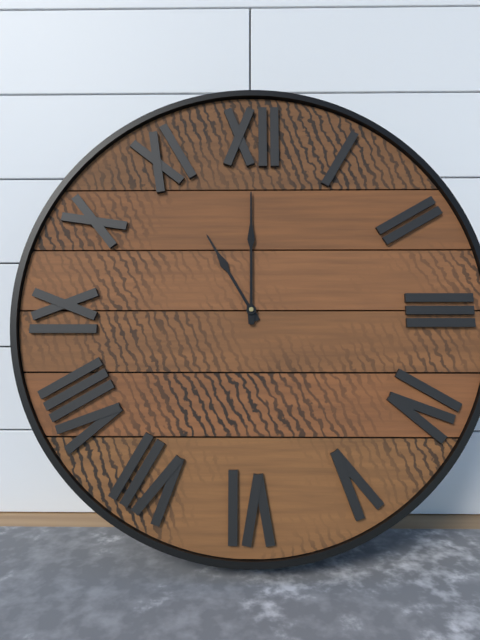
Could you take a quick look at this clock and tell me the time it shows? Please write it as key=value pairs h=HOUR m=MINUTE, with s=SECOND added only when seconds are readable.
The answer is h=11 m=0
